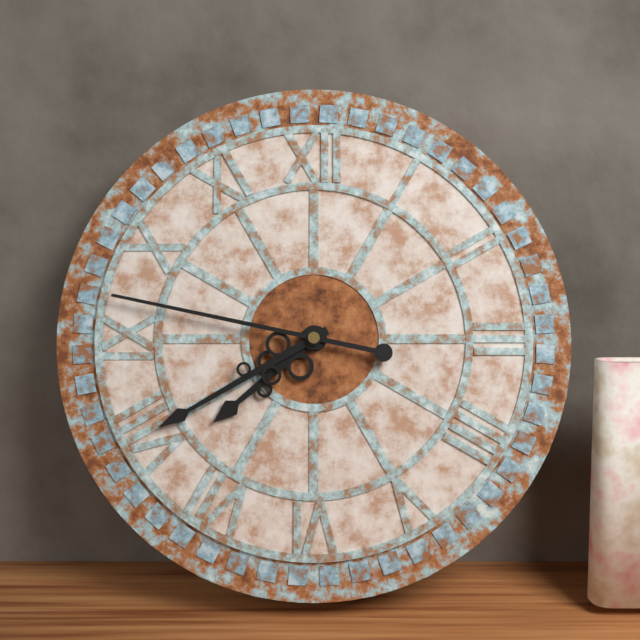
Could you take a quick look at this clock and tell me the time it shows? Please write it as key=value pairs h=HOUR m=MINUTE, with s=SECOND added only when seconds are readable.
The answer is h=7 m=40 s=47
